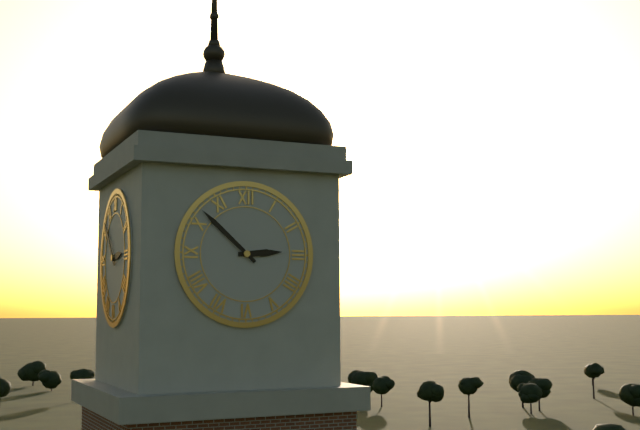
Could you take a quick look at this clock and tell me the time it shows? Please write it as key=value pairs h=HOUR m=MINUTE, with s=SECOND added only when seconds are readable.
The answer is h=2 m=52
